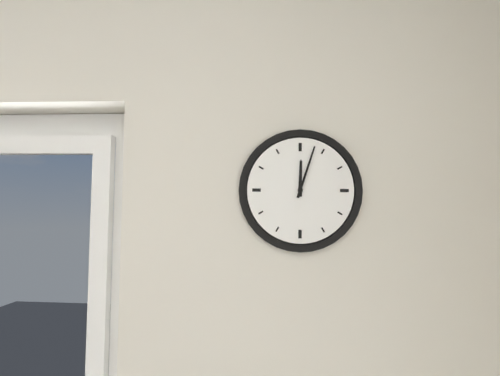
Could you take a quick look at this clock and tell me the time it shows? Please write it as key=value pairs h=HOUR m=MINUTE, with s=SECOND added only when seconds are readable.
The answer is h=12 m=3
